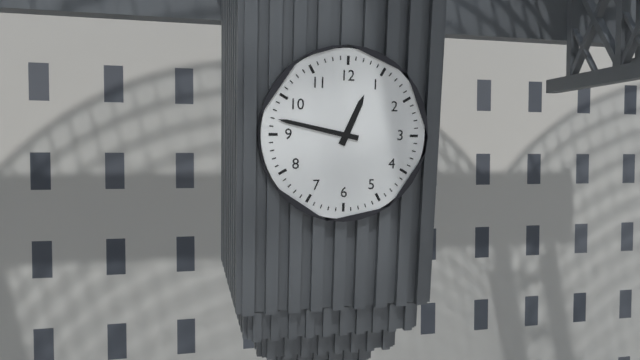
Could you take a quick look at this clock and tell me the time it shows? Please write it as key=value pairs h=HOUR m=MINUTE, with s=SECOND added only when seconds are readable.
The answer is h=12 m=47
